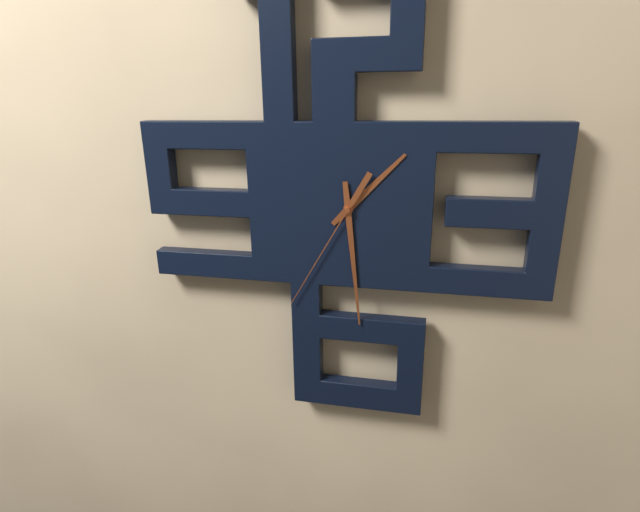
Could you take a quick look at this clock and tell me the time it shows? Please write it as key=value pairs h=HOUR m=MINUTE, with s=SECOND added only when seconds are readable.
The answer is h=1 m=29 s=35
